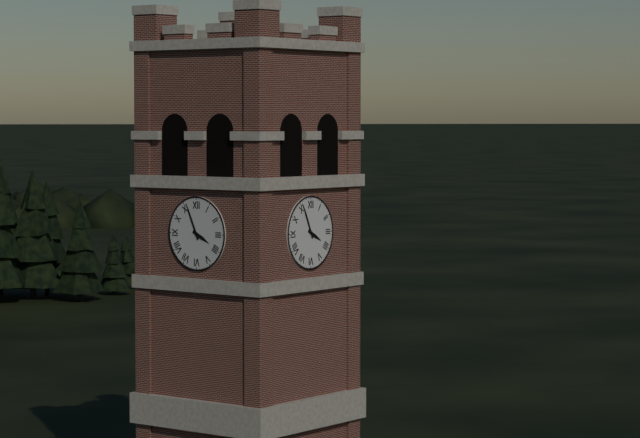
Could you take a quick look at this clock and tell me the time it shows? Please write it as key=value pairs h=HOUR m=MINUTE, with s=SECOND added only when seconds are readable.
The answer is h=3 m=56
